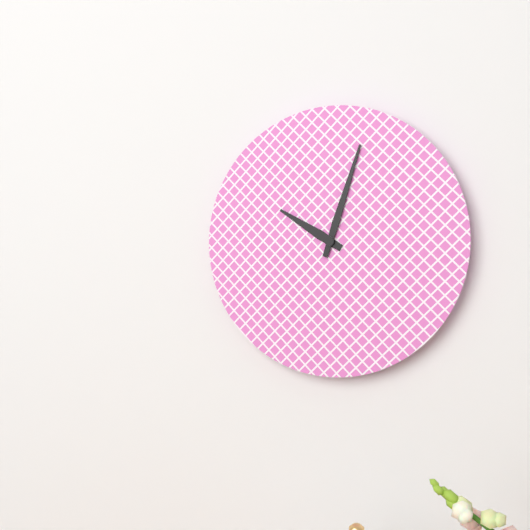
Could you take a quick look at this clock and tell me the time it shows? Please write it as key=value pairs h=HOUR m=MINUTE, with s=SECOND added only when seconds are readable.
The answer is h=10 m=3
